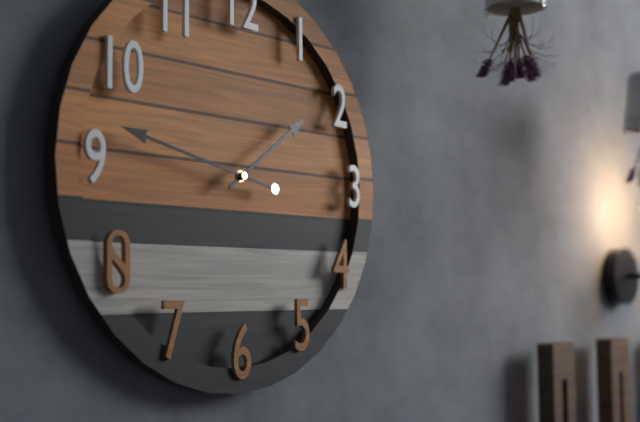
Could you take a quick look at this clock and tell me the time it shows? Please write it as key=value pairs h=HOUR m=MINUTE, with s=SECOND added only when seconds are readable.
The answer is h=1 m=47
